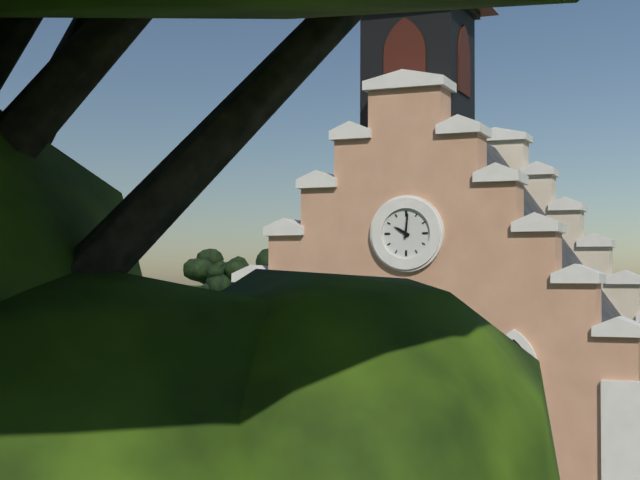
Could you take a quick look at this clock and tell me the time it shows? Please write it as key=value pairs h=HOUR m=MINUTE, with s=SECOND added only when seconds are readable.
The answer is h=10 m=1
